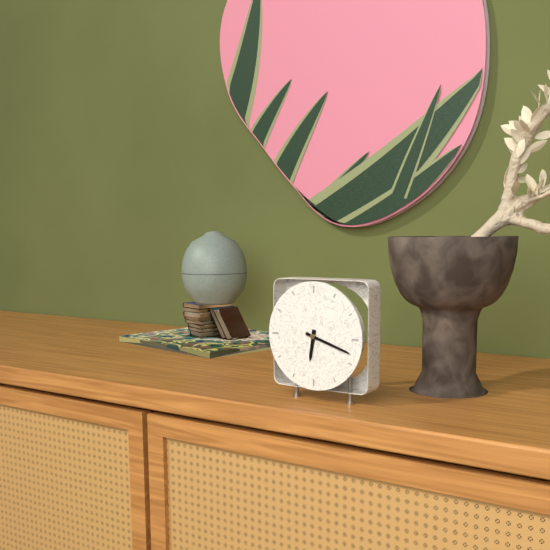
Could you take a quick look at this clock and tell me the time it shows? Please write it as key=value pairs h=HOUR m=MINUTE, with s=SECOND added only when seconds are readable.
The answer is h=6 m=18
